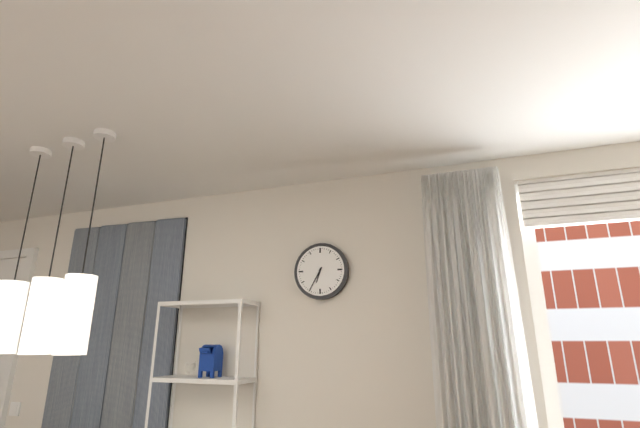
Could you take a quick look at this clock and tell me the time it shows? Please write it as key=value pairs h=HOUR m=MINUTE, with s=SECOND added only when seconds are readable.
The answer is h=6 m=35
